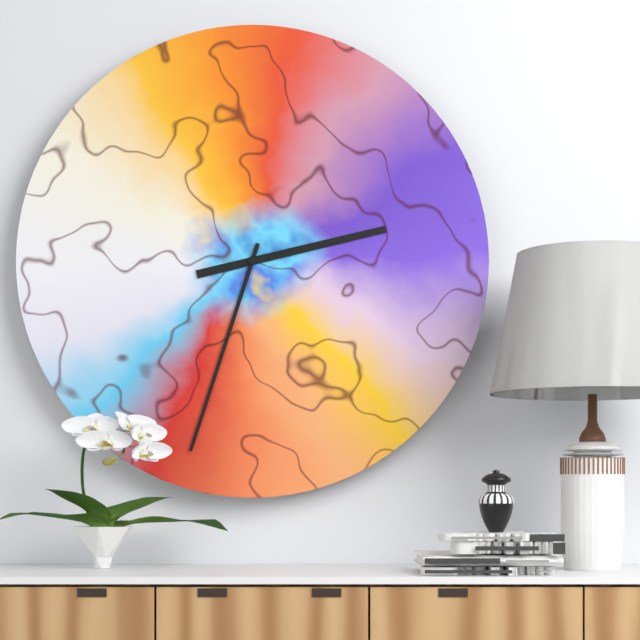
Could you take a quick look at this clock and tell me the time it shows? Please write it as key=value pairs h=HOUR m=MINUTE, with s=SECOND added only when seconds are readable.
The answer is h=2 m=33
